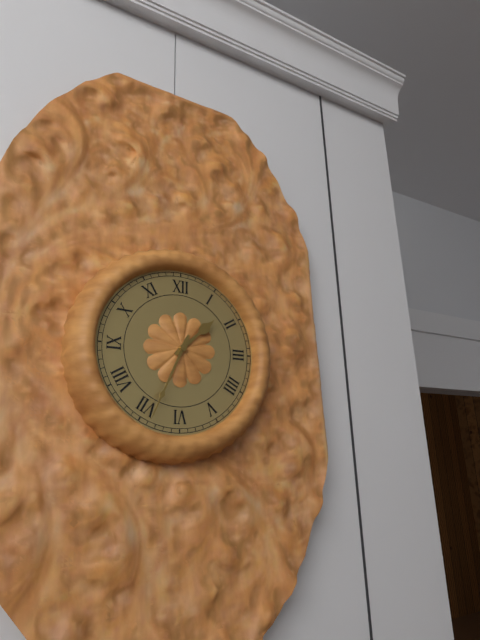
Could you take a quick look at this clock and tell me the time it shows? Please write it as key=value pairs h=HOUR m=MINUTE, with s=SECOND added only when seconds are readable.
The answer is h=1 m=34
